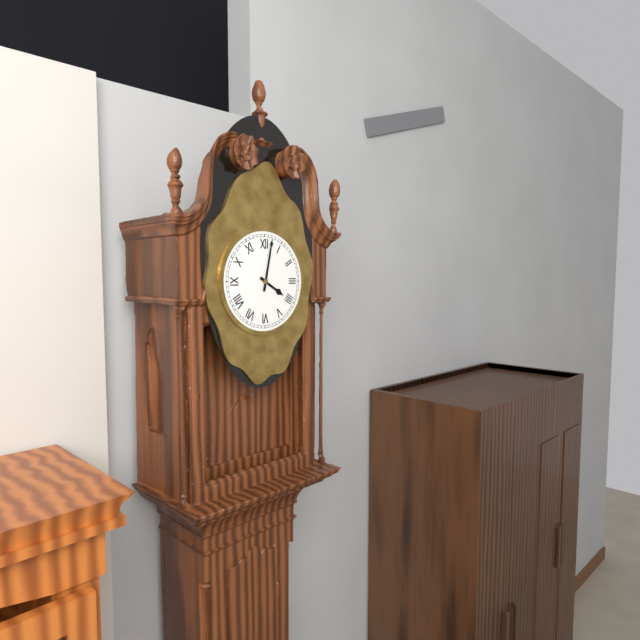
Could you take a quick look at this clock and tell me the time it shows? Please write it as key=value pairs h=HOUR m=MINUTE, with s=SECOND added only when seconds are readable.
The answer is h=4 m=2
